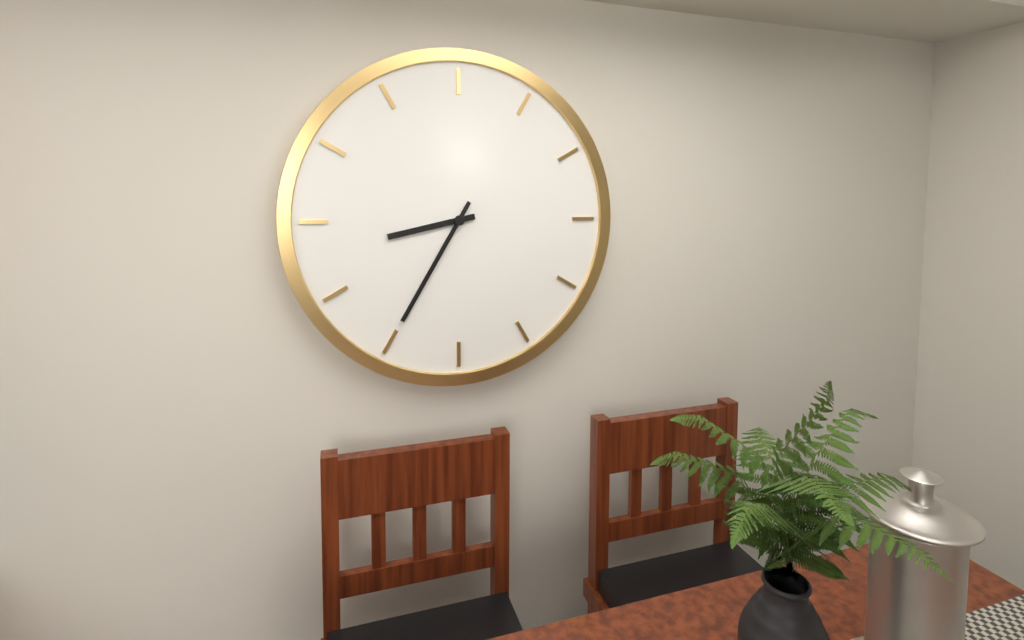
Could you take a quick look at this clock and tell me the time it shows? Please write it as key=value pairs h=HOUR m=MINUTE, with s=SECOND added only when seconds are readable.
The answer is h=8 m=35
